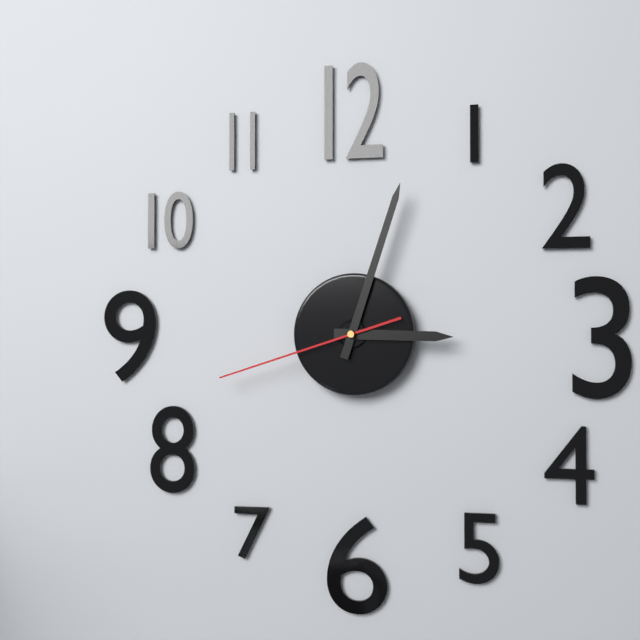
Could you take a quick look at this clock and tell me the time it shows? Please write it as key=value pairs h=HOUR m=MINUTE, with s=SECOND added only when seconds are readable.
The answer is h=3 m=3 s=42
